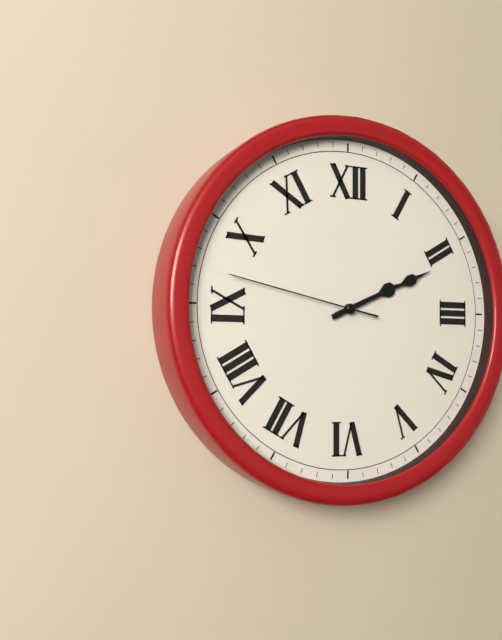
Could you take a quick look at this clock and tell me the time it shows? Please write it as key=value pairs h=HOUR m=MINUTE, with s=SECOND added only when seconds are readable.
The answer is h=2 m=11 s=47
